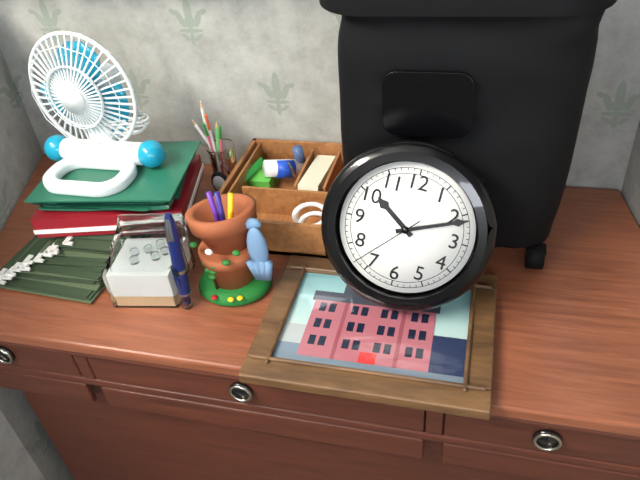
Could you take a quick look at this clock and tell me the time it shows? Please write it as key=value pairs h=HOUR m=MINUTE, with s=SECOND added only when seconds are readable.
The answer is h=10 m=11 s=37
